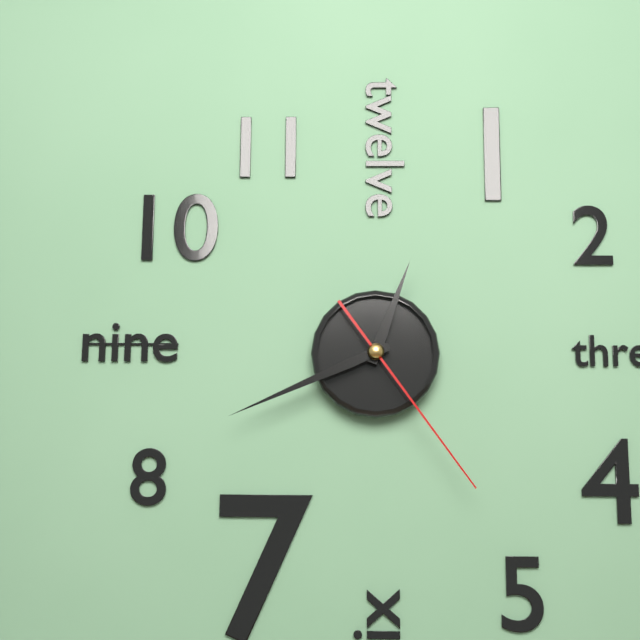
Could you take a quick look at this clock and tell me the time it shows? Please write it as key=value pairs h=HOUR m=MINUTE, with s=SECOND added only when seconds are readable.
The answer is h=12 m=41 s=24
